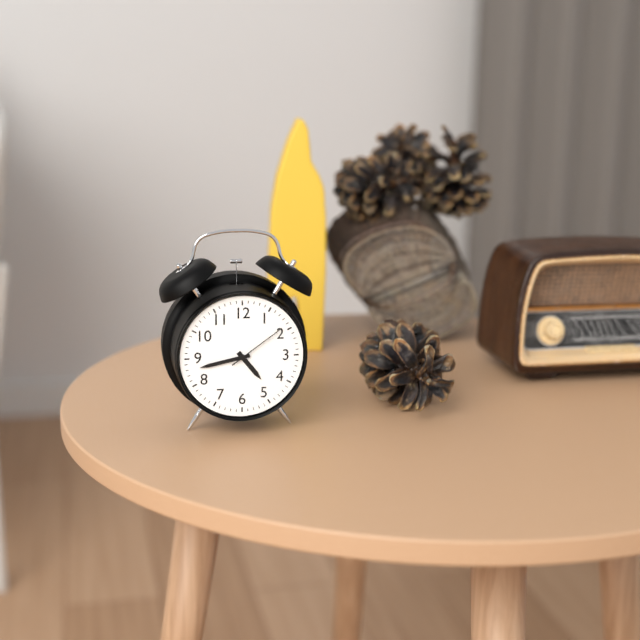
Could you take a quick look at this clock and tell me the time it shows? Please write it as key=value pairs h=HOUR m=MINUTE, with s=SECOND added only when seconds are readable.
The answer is h=4 m=43 s=9
